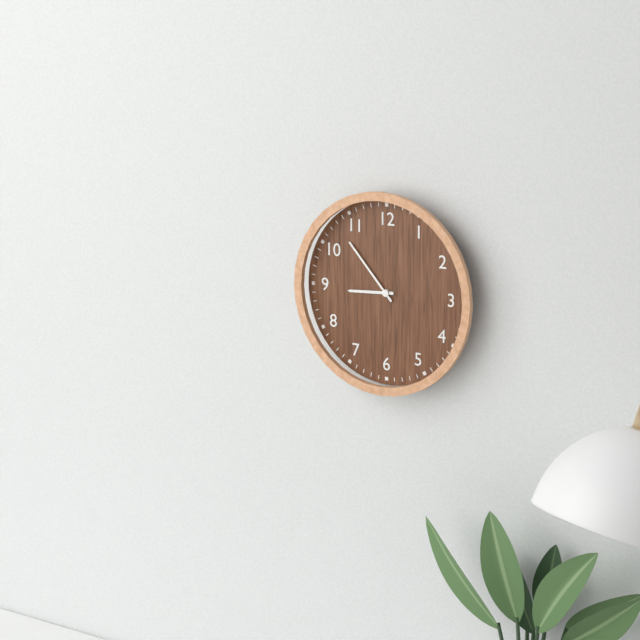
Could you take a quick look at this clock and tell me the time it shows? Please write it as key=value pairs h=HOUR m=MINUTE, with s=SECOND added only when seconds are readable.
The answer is h=8 m=53
